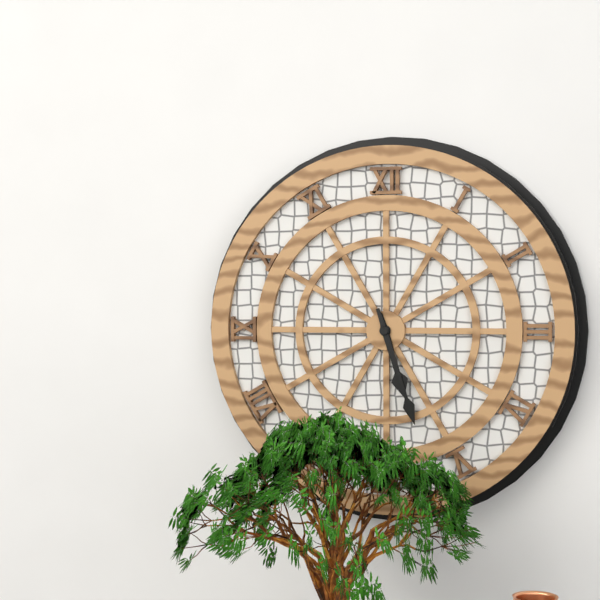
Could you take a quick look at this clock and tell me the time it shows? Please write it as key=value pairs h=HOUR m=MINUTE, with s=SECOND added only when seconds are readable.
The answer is h=5 m=27
